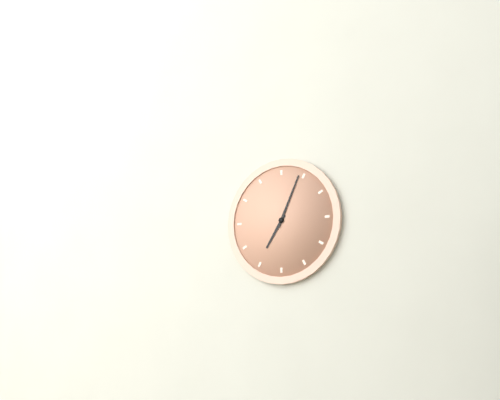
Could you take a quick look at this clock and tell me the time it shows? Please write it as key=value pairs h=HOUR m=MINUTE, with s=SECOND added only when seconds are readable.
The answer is h=7 m=4
